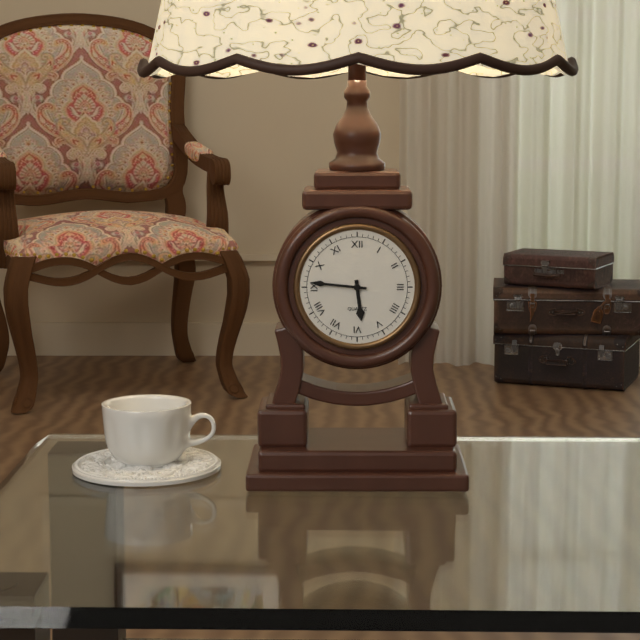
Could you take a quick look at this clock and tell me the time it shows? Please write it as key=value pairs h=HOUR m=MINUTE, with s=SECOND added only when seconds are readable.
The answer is h=5 m=46
